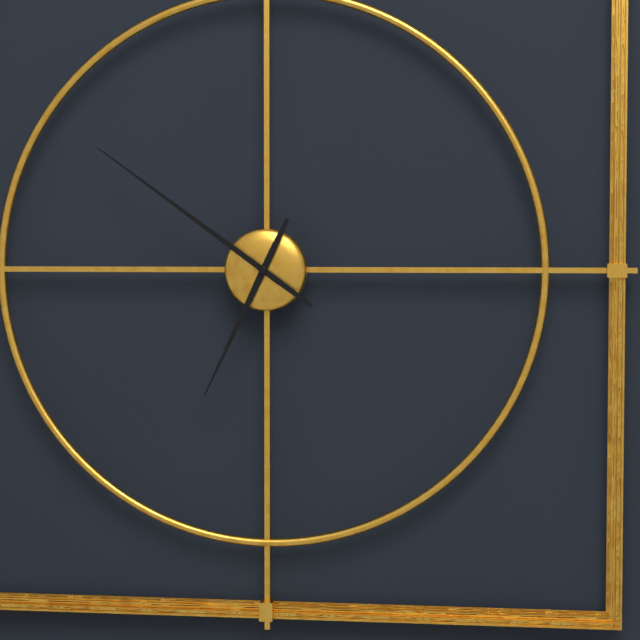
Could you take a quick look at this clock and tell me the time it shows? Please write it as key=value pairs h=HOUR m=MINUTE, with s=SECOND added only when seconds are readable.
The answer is h=6 m=51
